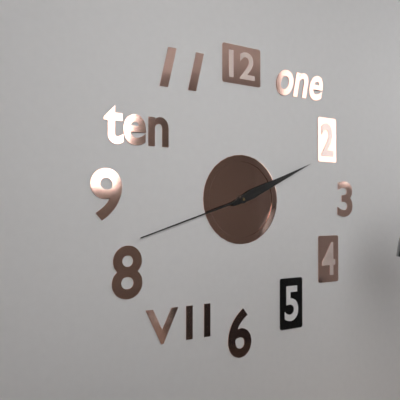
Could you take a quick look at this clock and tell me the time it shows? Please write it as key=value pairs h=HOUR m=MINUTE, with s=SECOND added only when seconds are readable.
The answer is h=2 m=11 s=42
